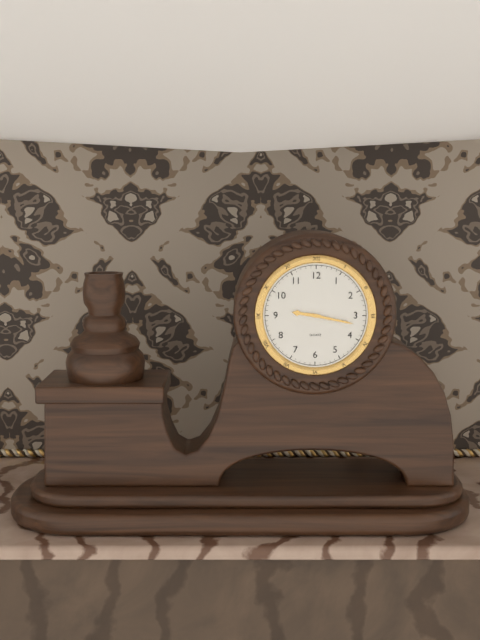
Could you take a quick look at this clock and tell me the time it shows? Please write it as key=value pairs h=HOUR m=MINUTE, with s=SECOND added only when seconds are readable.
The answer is h=9 m=17
